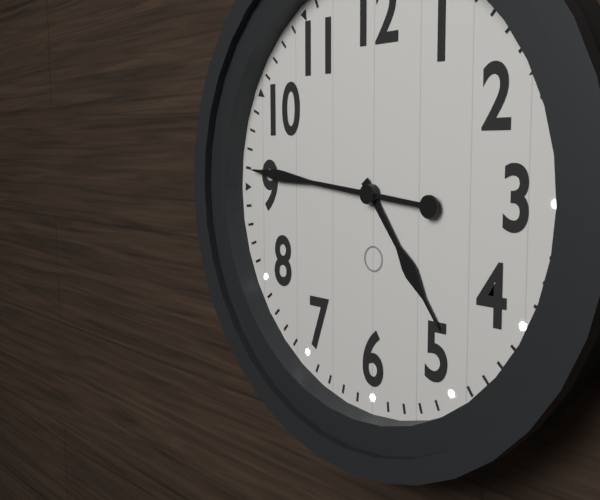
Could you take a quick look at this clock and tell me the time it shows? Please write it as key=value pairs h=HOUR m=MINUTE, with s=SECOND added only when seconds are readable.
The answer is h=4 m=46
